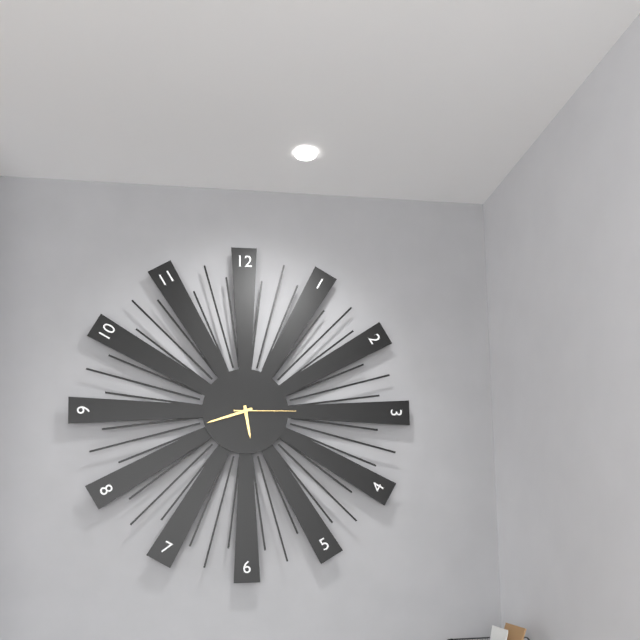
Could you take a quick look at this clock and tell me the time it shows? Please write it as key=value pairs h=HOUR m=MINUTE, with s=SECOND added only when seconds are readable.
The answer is h=5 m=42 s=15
